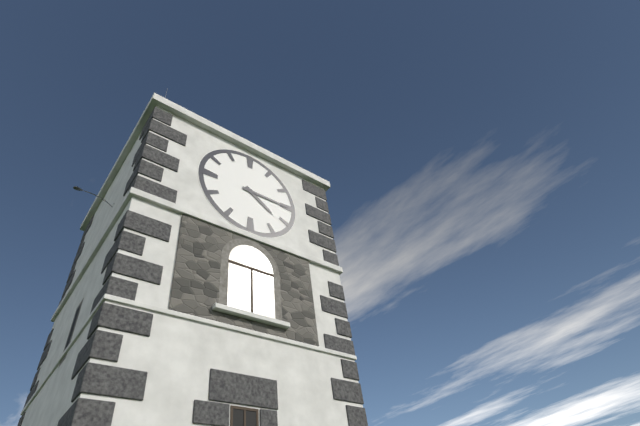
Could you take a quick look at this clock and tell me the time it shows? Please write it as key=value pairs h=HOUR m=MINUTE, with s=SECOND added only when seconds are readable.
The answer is h=4 m=15
